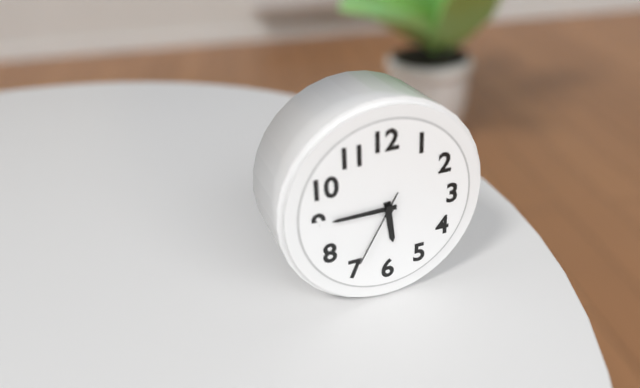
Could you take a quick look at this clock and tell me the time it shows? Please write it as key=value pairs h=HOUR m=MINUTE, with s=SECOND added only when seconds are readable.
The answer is h=5 m=45 s=35
